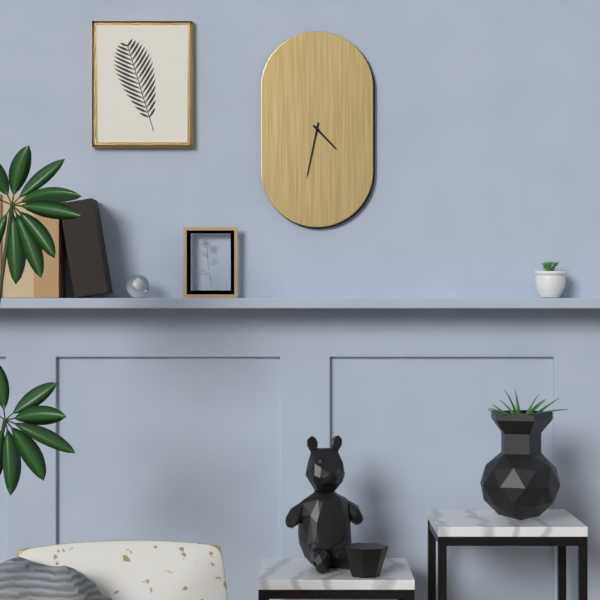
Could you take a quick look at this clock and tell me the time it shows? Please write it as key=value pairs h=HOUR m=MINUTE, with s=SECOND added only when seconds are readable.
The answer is h=4 m=32
